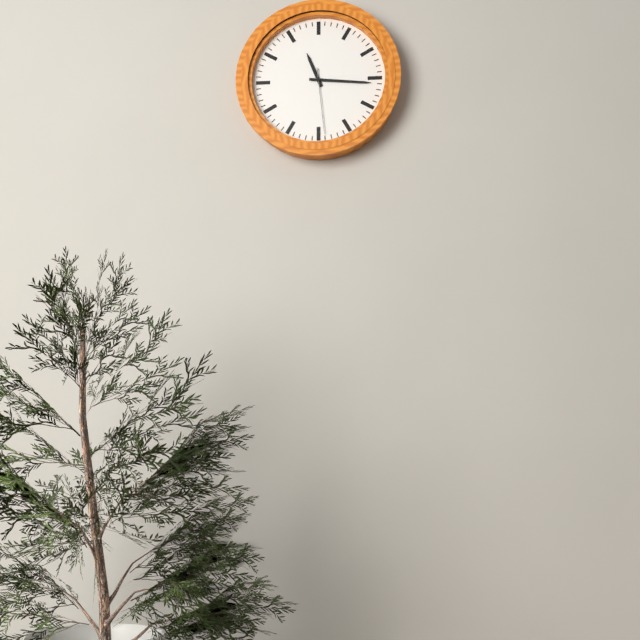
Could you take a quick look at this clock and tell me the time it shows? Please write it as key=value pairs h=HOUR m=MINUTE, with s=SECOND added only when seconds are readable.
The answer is h=11 m=16 s=29
